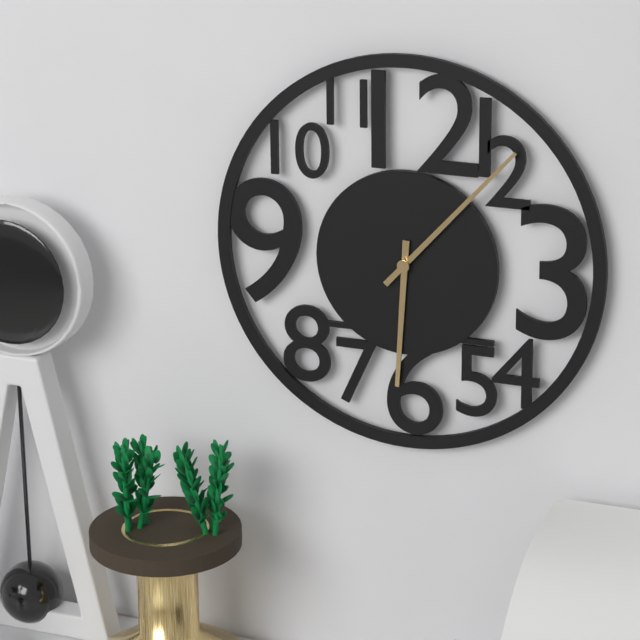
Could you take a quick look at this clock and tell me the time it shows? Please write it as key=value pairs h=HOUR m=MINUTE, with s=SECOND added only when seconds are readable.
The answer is h=6 m=7
